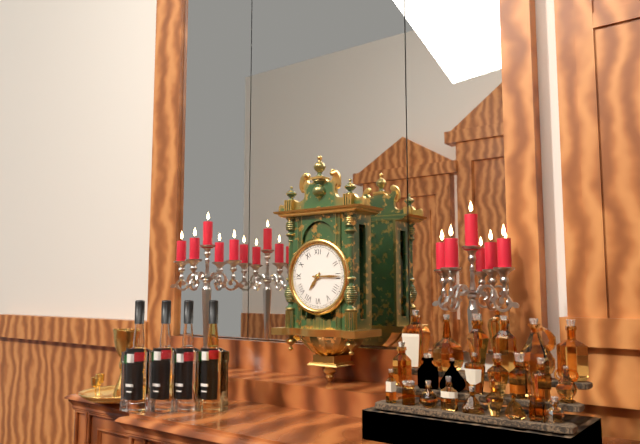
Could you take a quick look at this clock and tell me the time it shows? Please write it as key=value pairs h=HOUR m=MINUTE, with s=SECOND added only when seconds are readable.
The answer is h=7 m=15
